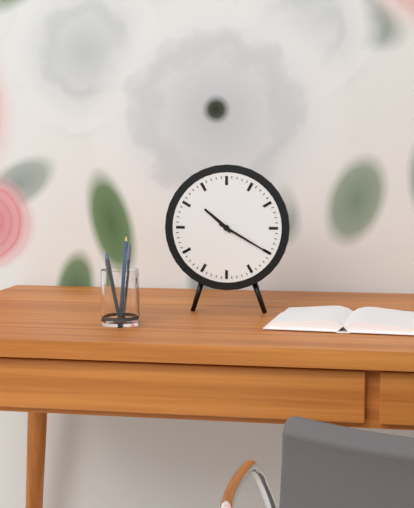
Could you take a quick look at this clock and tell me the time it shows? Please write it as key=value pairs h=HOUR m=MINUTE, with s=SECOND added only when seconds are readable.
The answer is h=10 m=20
